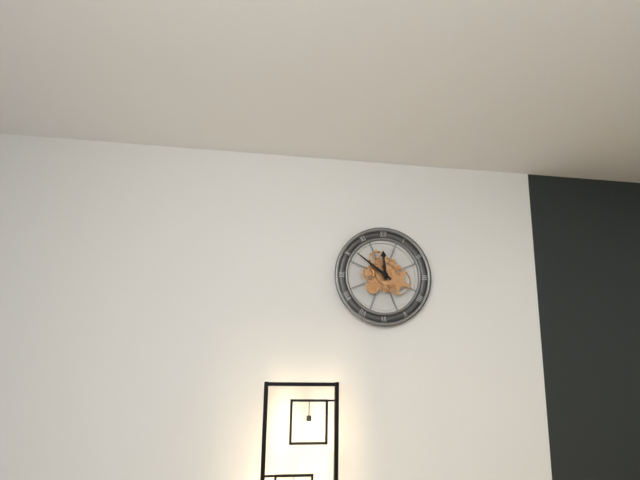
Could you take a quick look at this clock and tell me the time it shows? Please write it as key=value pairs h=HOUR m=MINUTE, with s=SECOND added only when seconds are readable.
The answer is h=11 m=51
